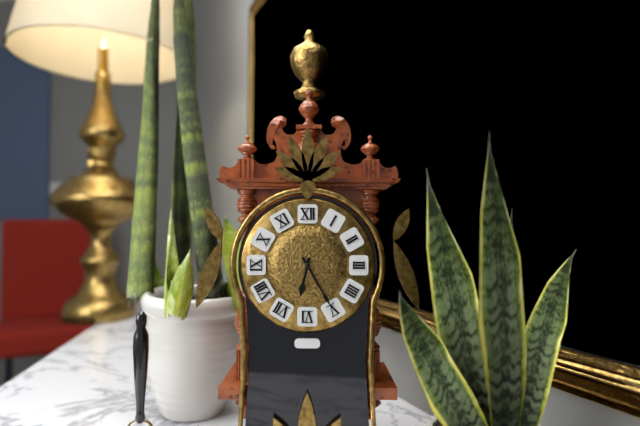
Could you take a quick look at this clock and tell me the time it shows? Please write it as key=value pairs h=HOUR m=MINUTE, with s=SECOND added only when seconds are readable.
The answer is h=6 m=25
